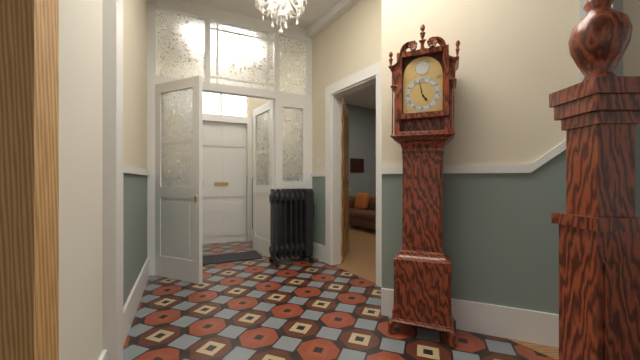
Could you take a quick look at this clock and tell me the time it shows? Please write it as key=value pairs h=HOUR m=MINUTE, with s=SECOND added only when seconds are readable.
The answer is h=4 m=58
